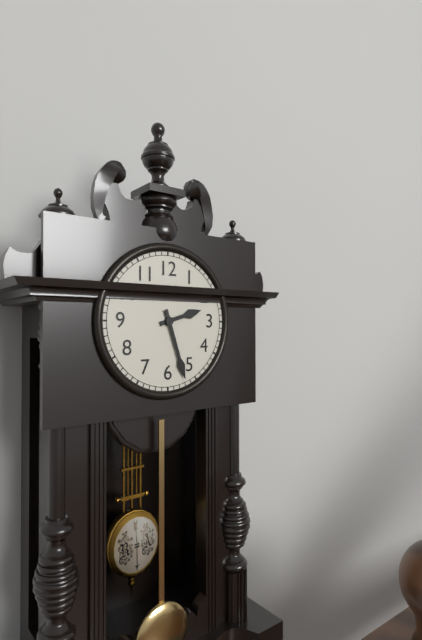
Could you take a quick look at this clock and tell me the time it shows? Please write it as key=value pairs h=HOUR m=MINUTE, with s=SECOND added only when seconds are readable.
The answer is h=2 m=27
